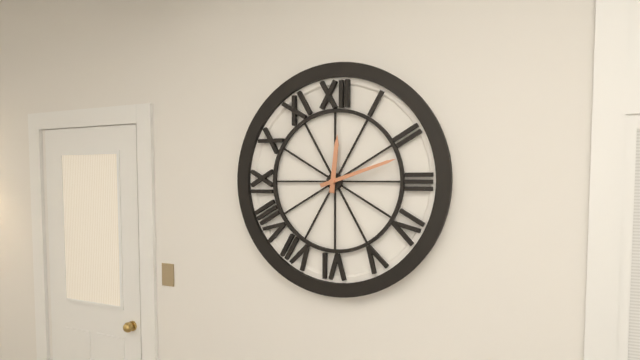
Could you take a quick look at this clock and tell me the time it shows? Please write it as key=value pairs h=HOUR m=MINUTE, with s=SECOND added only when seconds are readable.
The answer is h=12 m=12
